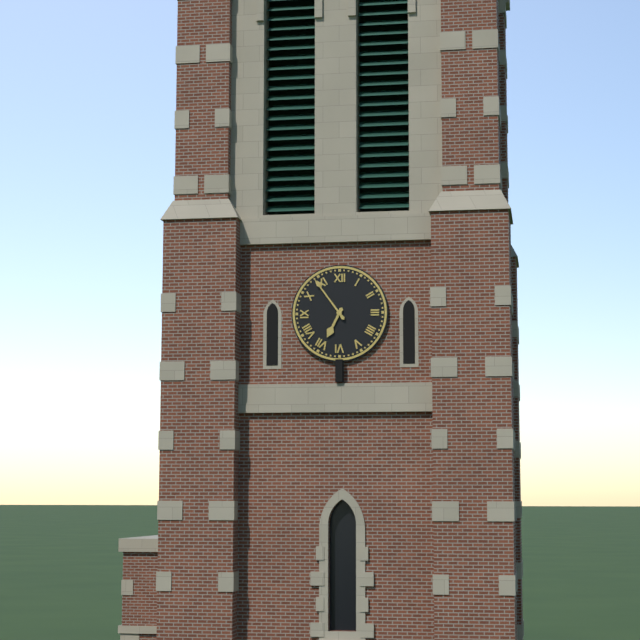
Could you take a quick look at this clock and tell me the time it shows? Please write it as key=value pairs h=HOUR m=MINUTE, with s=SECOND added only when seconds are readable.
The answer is h=6 m=54
